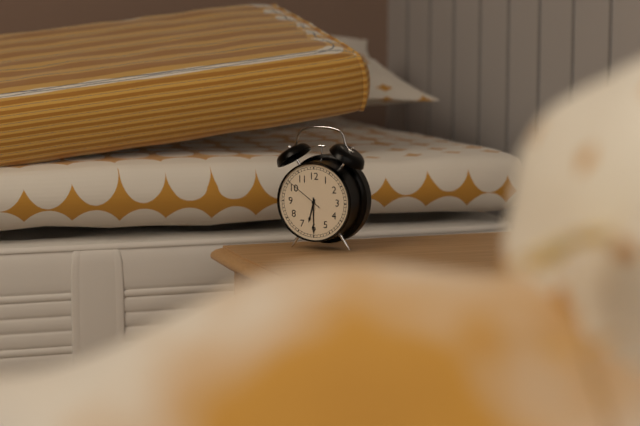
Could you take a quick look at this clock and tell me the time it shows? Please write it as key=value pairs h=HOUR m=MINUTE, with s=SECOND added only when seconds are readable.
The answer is h=6 m=30
